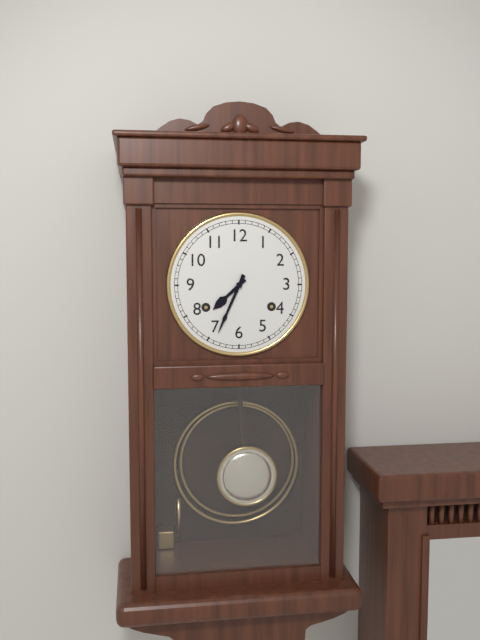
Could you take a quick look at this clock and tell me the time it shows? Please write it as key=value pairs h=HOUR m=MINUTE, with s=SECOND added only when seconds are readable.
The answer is h=7 m=34
